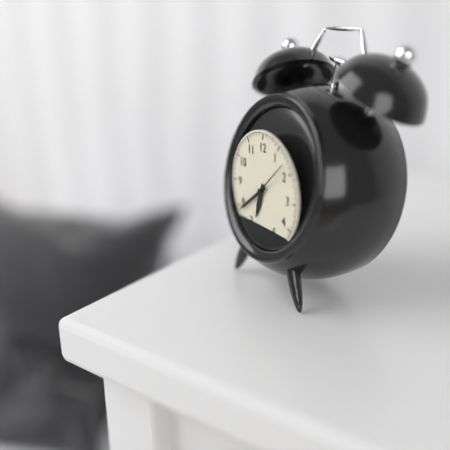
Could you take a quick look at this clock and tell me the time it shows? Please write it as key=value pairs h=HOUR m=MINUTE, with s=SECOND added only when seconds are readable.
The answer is h=6 m=39
